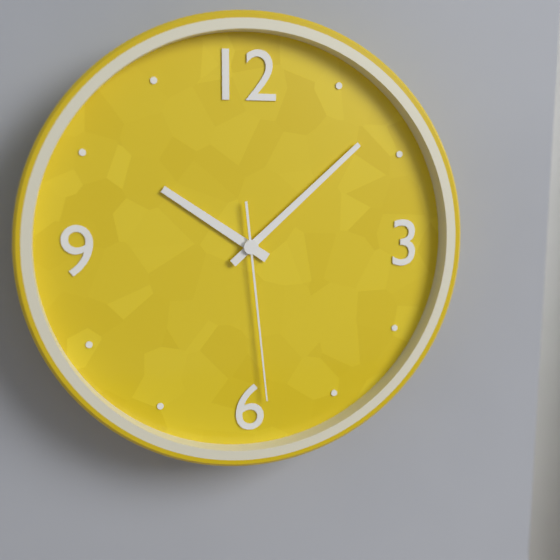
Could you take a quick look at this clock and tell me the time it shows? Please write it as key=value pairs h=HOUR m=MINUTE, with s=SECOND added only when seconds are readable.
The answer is h=10 m=8 s=29
